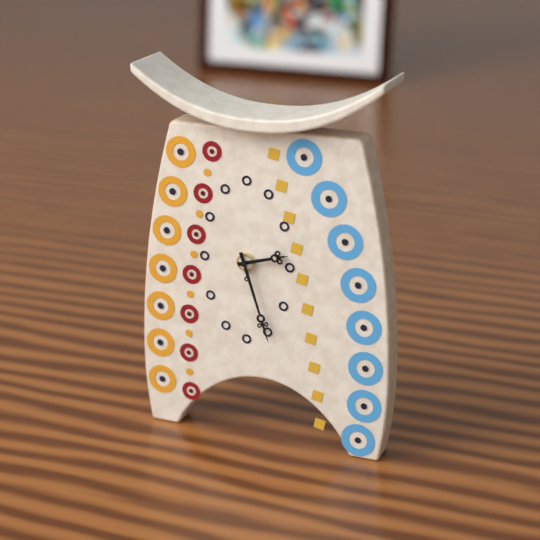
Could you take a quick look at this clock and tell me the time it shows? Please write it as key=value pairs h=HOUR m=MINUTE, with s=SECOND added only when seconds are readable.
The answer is h=2 m=27
